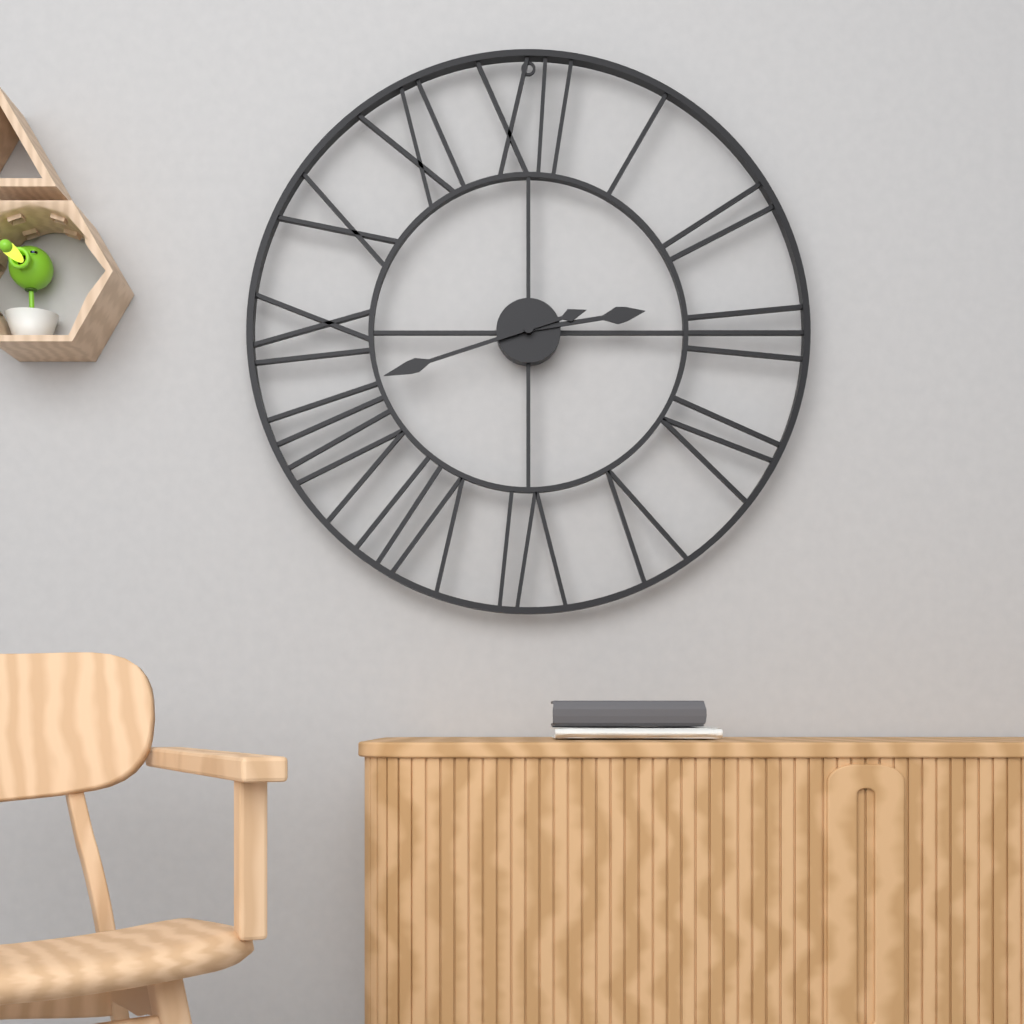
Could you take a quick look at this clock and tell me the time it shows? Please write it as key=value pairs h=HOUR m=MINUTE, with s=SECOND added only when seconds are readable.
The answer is h=2 m=42
